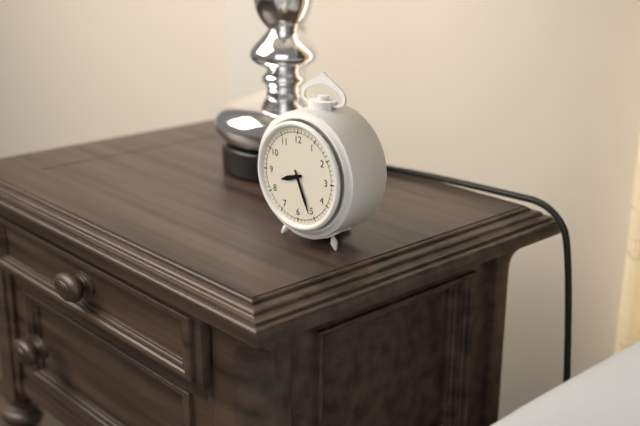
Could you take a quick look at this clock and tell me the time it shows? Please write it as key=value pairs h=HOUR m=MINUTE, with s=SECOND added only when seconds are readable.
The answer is h=8 m=26
